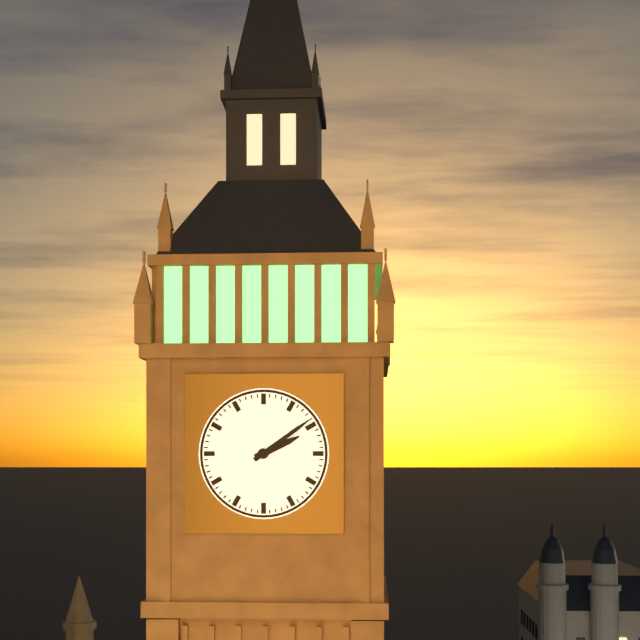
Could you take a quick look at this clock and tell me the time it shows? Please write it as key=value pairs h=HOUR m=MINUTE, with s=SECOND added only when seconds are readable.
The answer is h=2 m=9
